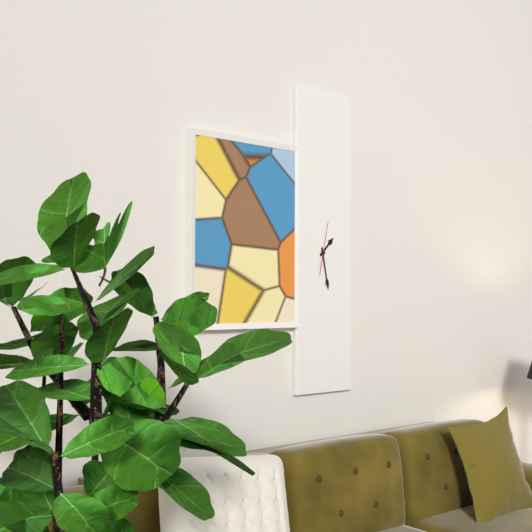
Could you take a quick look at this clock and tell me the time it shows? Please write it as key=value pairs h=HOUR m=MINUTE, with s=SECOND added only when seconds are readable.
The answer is h=1 m=28
